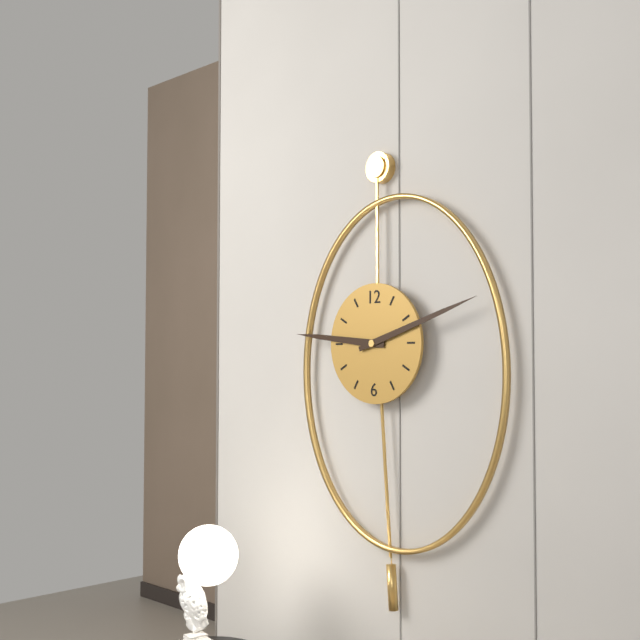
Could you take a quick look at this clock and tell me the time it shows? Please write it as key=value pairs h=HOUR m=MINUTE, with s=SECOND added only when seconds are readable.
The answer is h=9 m=12
